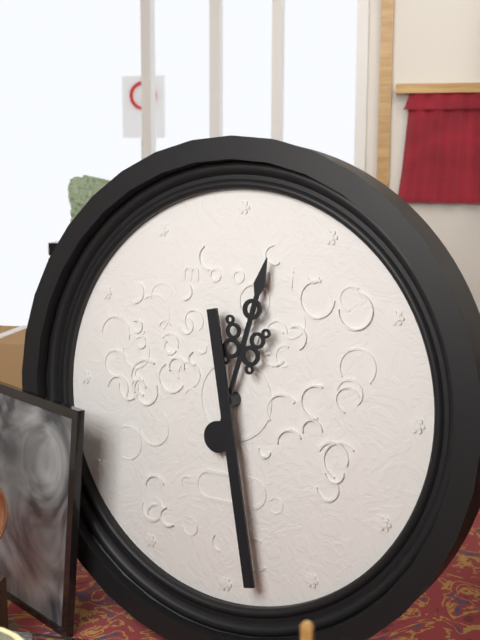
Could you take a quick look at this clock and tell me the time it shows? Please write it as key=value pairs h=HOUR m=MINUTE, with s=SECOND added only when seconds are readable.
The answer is h=12 m=28
